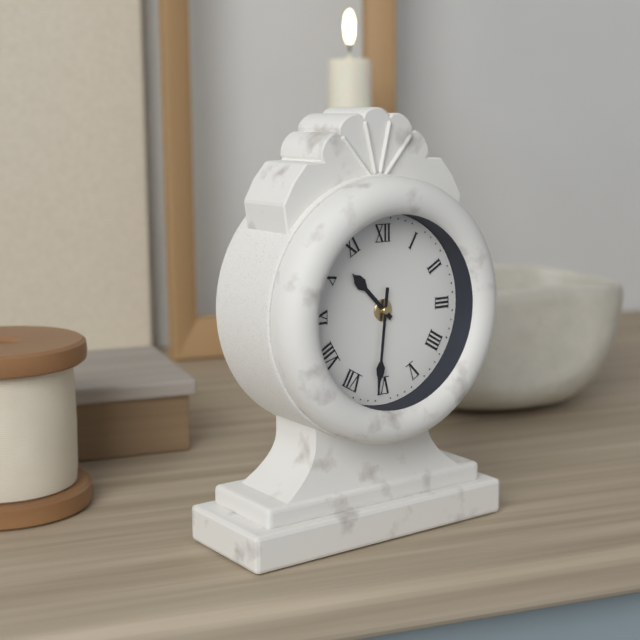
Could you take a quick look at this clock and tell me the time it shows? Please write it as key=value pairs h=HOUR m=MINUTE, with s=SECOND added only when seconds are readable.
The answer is h=10 m=31
